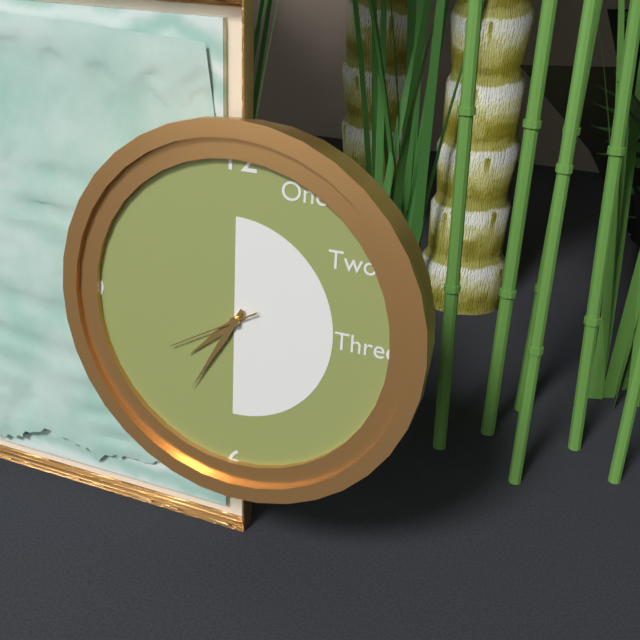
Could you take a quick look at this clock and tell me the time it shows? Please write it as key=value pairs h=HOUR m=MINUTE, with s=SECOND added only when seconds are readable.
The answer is h=7 m=35 s=40
